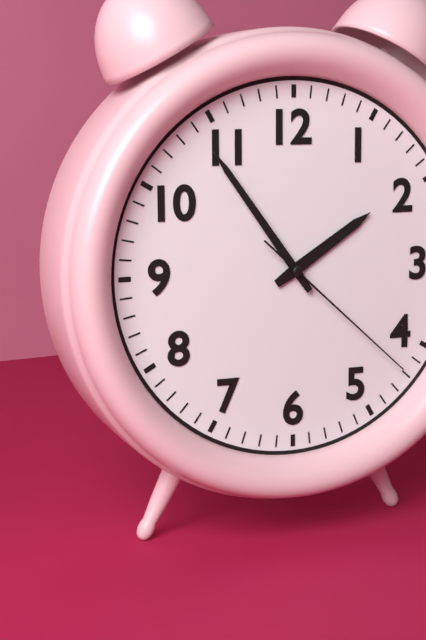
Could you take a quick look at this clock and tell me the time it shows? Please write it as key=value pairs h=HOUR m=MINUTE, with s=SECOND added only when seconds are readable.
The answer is h=1 m=54 s=22
